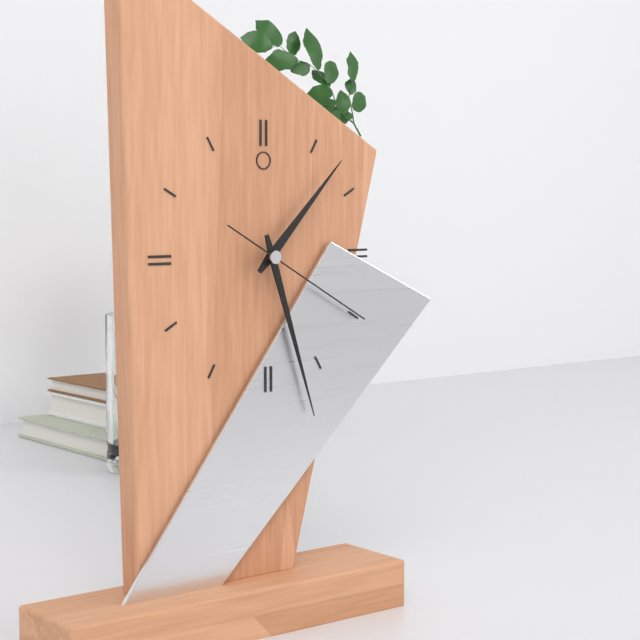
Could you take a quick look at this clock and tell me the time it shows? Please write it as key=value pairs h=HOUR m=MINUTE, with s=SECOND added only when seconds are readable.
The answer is h=1 m=27 s=20
